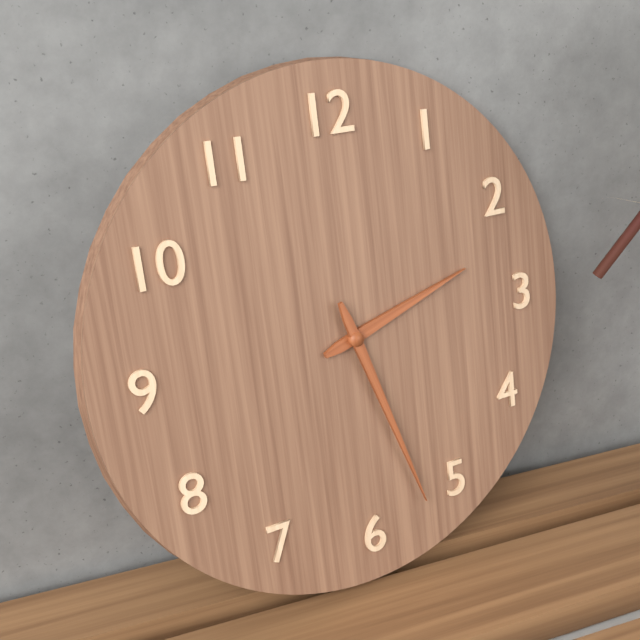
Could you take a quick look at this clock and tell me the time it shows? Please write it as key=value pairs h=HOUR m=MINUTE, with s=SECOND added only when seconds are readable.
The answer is h=2 m=27
